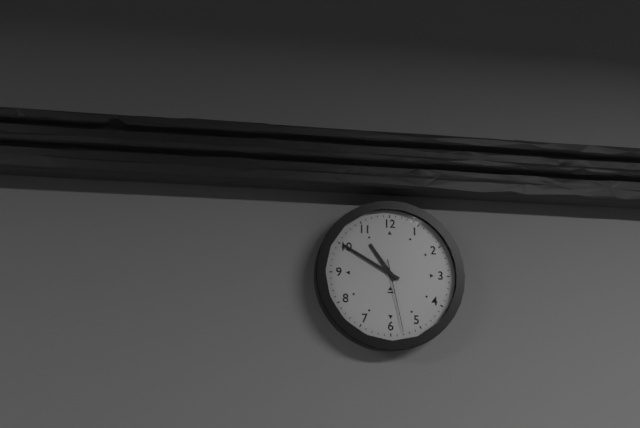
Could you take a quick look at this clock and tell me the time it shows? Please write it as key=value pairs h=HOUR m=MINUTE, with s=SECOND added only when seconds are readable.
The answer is h=10 m=50 s=28
